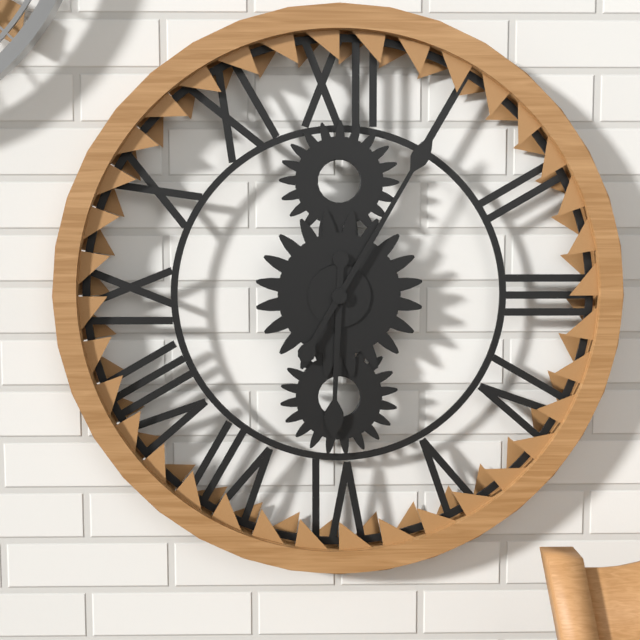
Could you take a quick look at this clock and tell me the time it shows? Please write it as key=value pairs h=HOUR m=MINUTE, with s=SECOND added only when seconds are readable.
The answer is h=6 m=5
